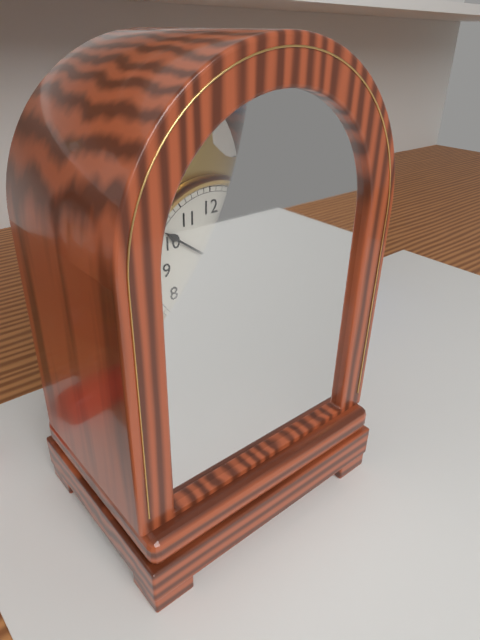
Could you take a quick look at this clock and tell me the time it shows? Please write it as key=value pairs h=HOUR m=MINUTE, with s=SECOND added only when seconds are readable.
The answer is h=1 m=51
